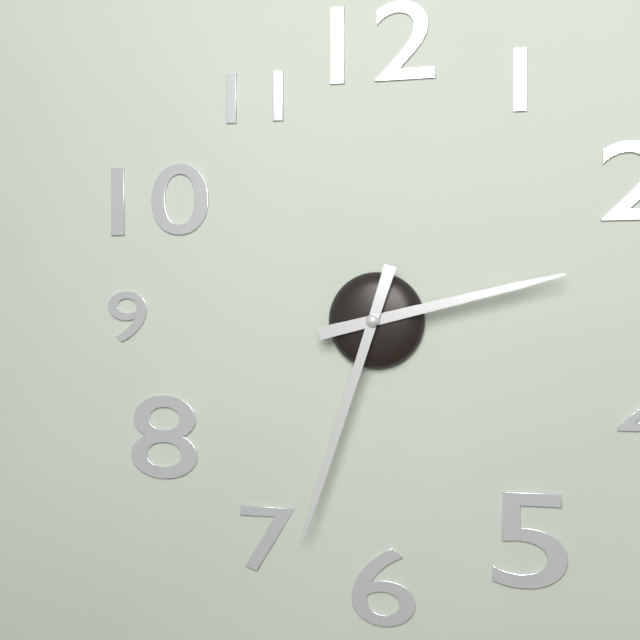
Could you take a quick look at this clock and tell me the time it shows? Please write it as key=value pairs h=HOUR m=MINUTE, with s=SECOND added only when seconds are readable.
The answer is h=2 m=33
